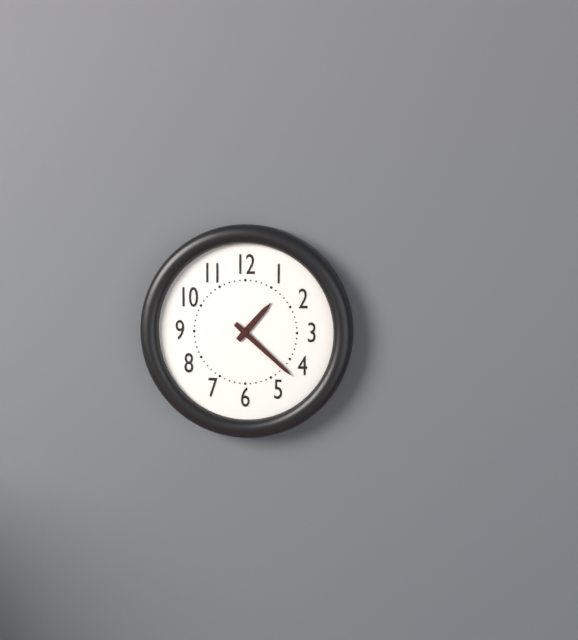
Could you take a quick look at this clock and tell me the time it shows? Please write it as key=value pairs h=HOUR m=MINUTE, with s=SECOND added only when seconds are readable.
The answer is h=1 m=22
